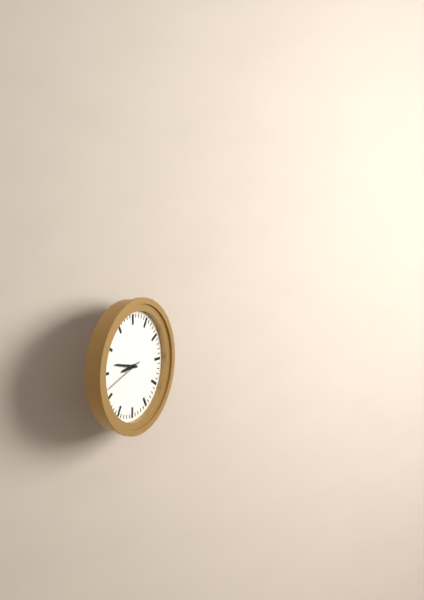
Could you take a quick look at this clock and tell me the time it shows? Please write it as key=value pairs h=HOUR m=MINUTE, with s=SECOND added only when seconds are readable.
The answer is h=8 m=47
